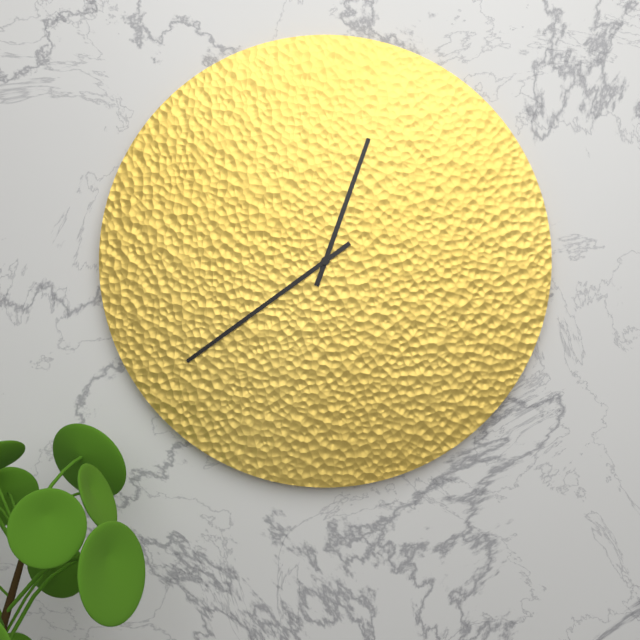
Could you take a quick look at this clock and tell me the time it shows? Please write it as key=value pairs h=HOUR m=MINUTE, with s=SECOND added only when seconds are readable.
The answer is h=12 m=39
